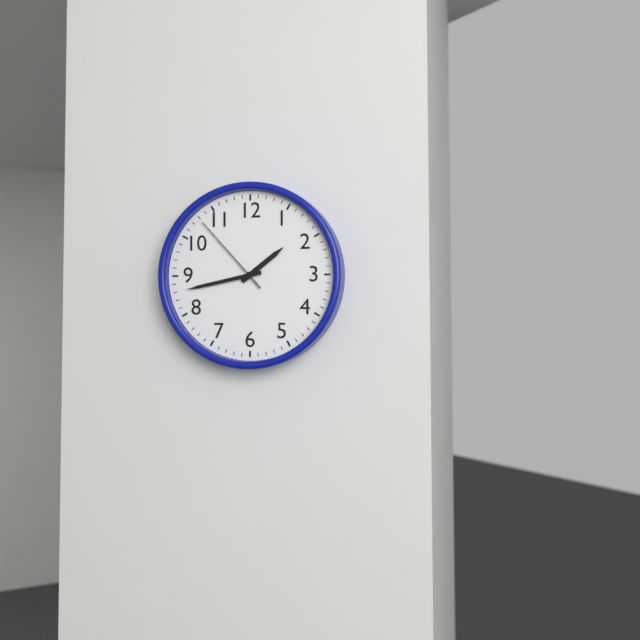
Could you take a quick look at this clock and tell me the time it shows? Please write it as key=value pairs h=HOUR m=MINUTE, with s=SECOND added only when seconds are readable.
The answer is h=1 m=43 s=53
